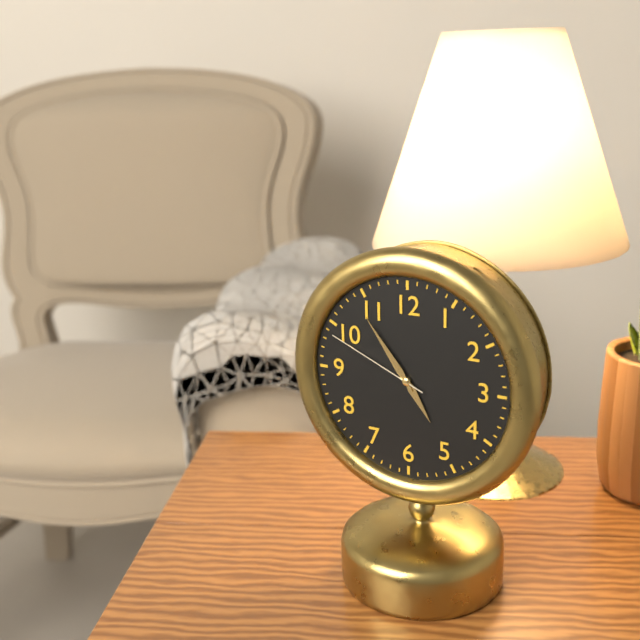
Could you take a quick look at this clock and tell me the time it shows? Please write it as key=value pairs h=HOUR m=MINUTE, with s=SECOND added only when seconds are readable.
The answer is h=4 m=54 s=49
